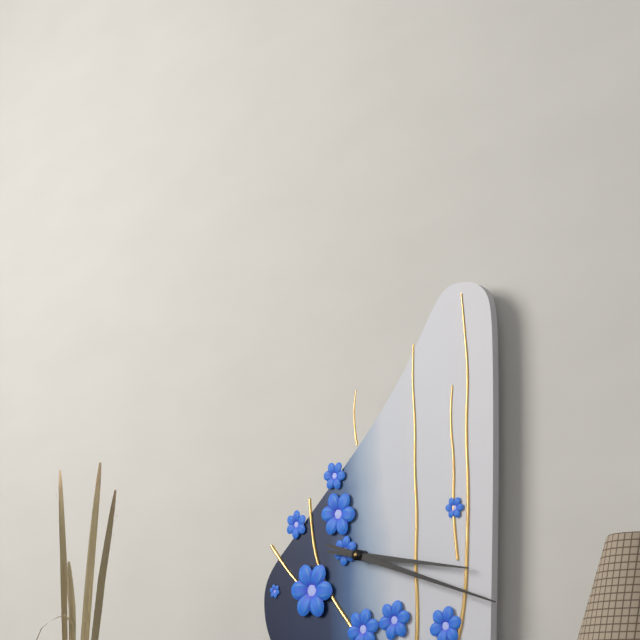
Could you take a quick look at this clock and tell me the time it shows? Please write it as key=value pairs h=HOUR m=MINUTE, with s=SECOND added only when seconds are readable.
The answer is h=3 m=18
